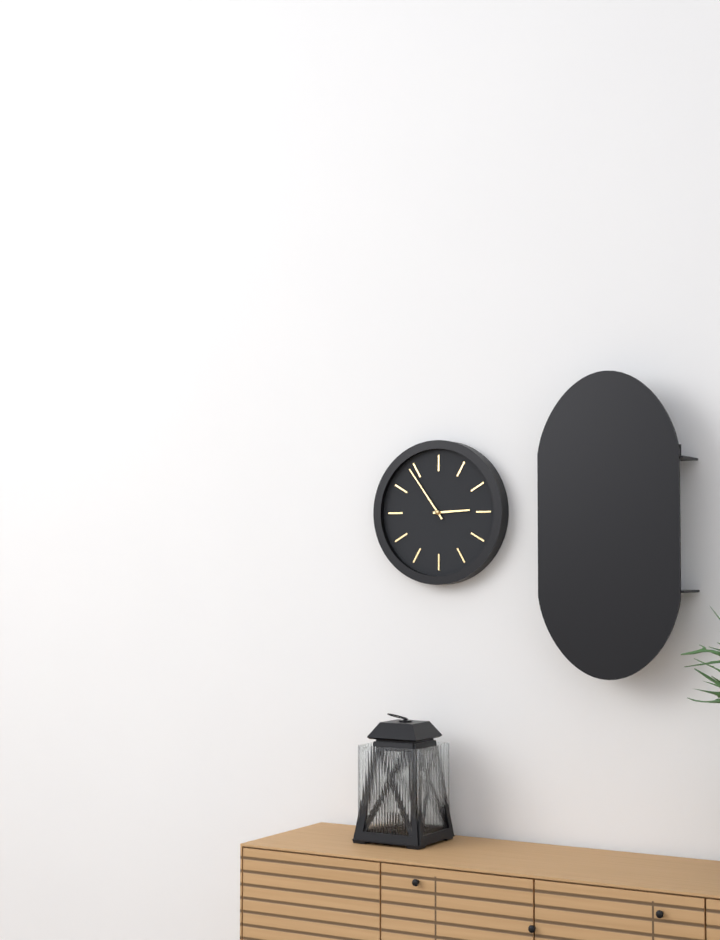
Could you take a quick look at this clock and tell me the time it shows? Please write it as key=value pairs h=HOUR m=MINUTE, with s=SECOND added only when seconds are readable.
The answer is h=2 m=54
